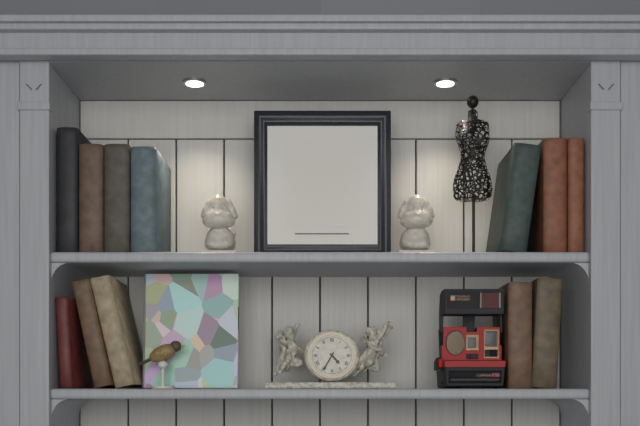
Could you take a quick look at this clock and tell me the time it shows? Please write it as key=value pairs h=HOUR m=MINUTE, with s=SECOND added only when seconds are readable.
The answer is h=4 m=35
